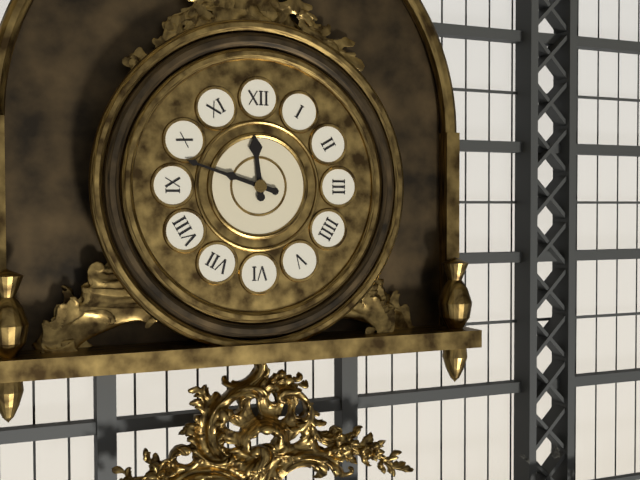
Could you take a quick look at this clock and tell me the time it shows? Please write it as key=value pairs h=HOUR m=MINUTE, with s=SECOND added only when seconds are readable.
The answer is h=11 m=48
